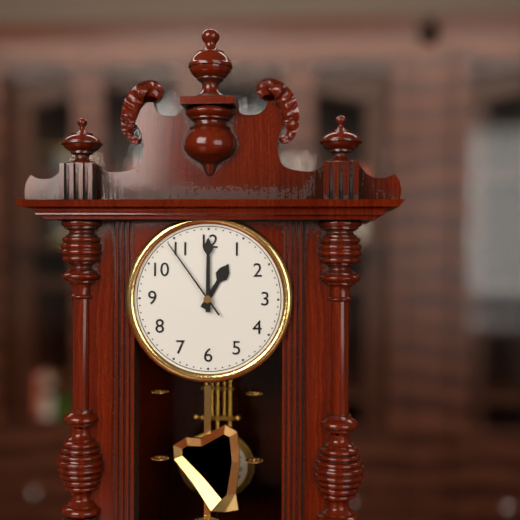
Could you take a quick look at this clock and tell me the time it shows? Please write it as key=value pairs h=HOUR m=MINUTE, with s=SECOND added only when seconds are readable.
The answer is h=1 m=0 s=54
